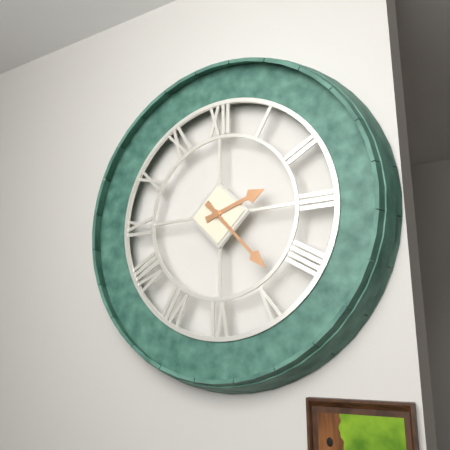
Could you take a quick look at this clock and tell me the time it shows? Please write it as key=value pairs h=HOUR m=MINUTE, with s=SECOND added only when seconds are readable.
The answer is h=2 m=23
